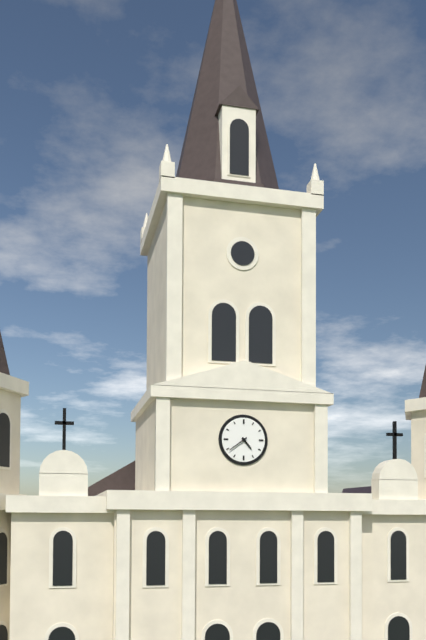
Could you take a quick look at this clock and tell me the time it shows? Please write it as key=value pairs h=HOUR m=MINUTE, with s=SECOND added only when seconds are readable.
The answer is h=4 m=39
